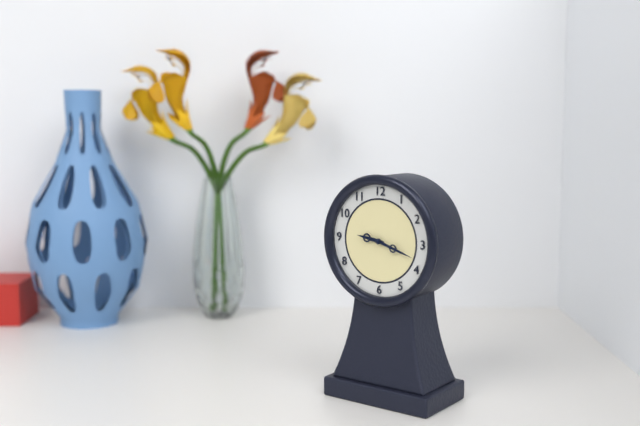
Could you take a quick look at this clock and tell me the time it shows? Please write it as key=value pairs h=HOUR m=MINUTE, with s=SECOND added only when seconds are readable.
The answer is h=9 m=18
